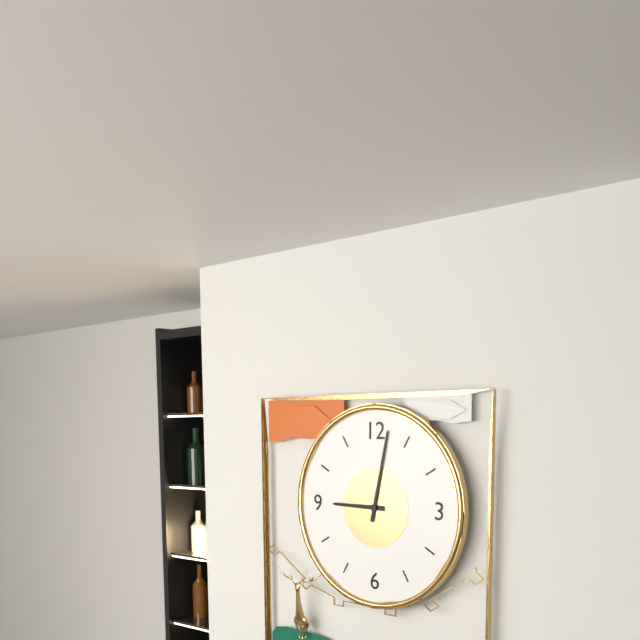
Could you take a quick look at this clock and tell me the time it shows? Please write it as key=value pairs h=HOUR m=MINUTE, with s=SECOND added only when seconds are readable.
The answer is h=9 m=2
